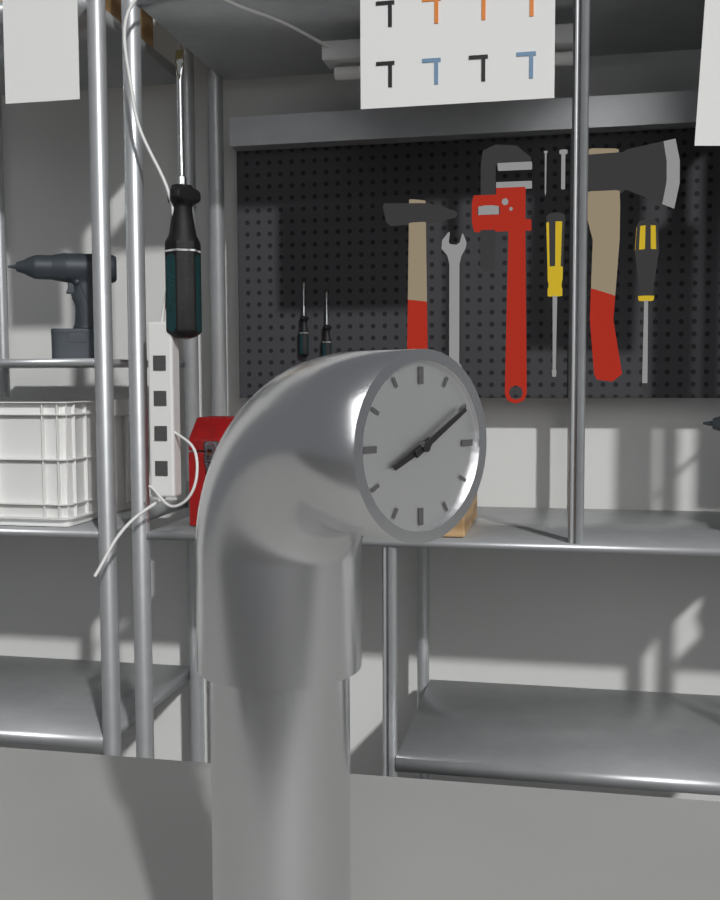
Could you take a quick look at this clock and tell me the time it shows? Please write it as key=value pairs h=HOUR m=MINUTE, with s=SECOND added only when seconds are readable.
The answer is h=8 m=10
